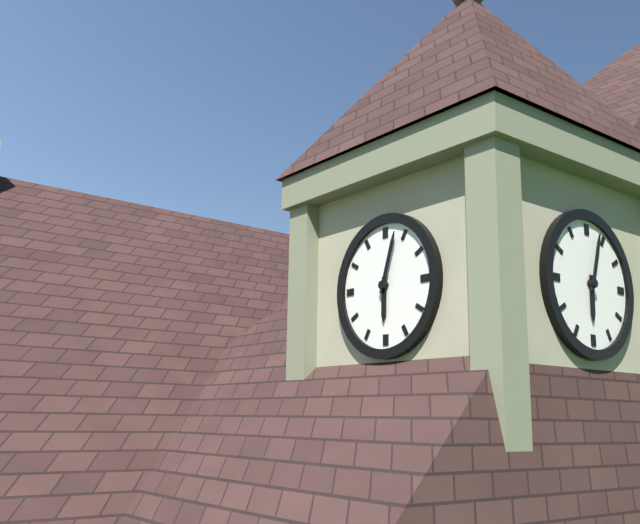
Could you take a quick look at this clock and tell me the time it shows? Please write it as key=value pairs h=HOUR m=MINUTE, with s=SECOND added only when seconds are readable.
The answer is h=6 m=3
